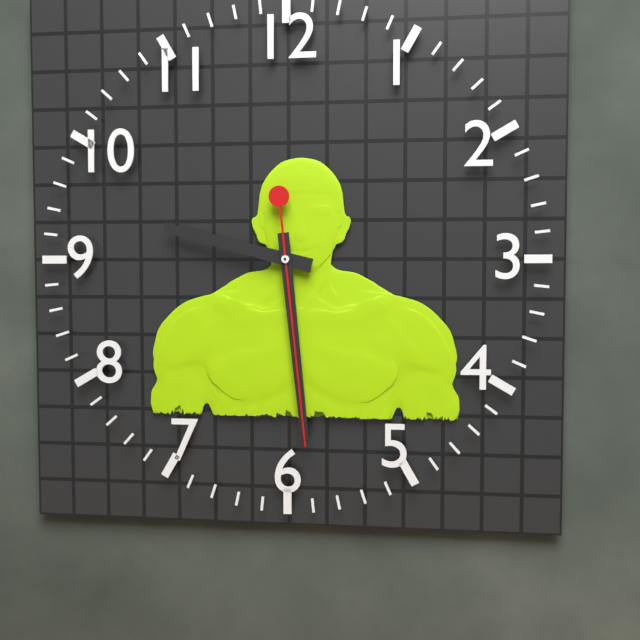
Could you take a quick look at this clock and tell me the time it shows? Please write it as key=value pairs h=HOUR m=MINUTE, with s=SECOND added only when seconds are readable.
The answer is h=9 m=29 s=29
